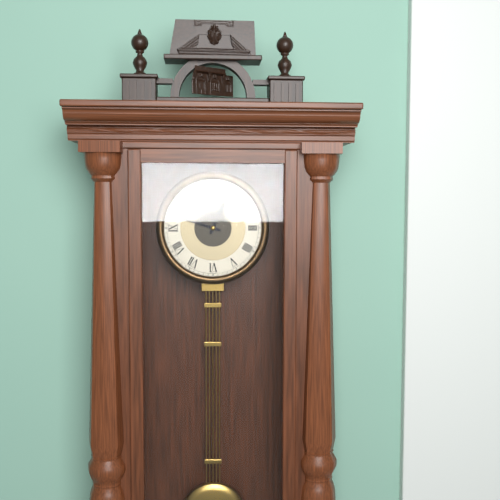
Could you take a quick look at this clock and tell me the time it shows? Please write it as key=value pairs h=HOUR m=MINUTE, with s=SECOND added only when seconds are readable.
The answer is h=12 m=48
